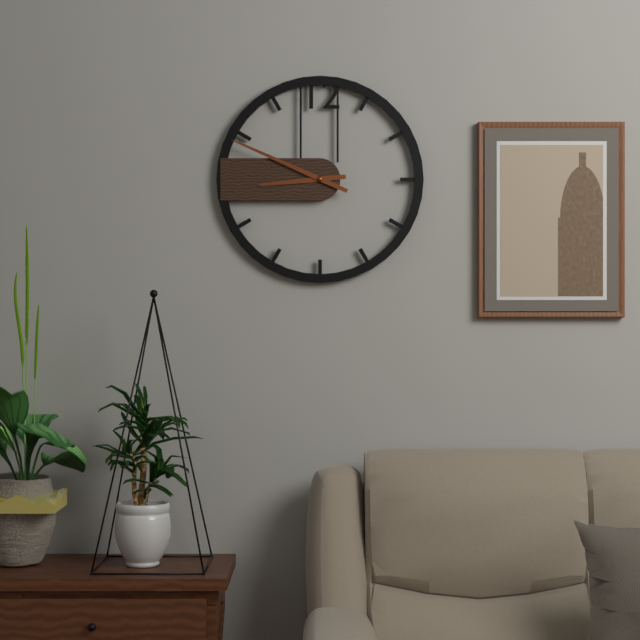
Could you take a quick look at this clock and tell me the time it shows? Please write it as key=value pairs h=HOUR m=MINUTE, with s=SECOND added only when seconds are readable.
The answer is h=8 m=49
